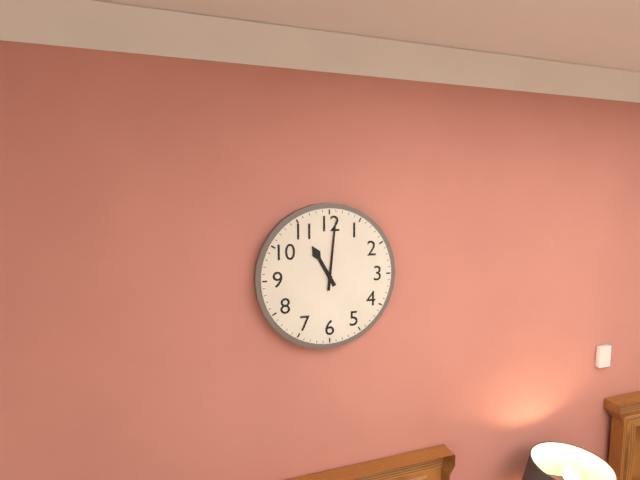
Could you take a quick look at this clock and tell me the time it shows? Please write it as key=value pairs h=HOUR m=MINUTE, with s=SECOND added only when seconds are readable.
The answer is h=11 m=1
